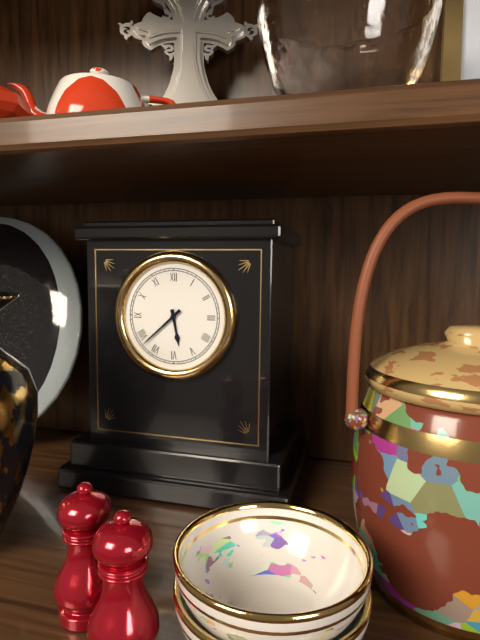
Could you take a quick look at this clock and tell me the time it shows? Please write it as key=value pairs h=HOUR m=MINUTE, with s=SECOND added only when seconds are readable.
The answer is h=5 m=38
